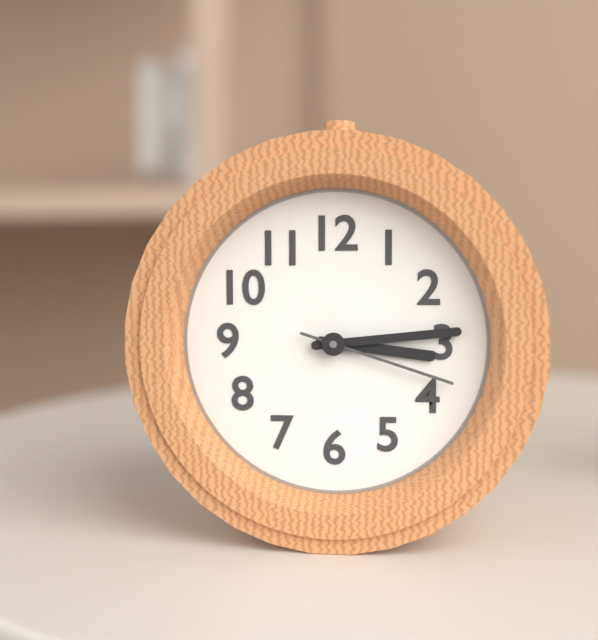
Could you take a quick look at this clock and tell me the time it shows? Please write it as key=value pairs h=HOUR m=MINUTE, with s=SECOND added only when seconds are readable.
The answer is h=3 m=14 s=18
